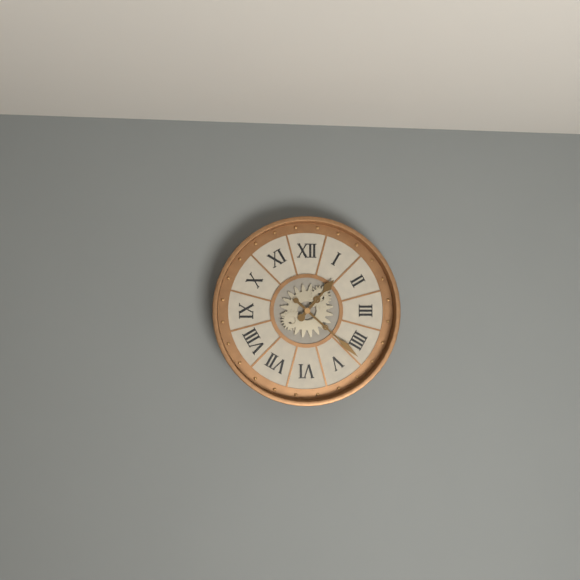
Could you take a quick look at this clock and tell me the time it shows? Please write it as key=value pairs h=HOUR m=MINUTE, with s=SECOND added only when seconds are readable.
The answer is h=1 m=22
